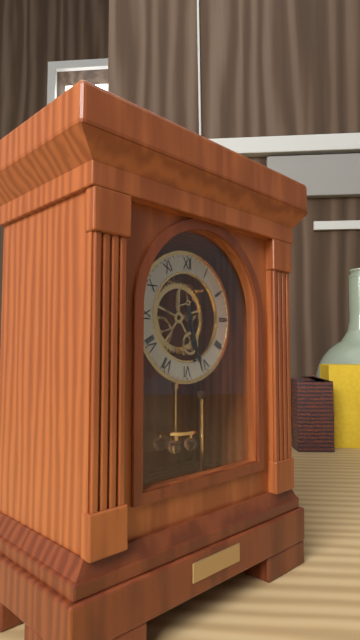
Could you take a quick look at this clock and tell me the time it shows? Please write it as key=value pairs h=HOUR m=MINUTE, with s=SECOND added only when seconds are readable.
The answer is h=5 m=27
